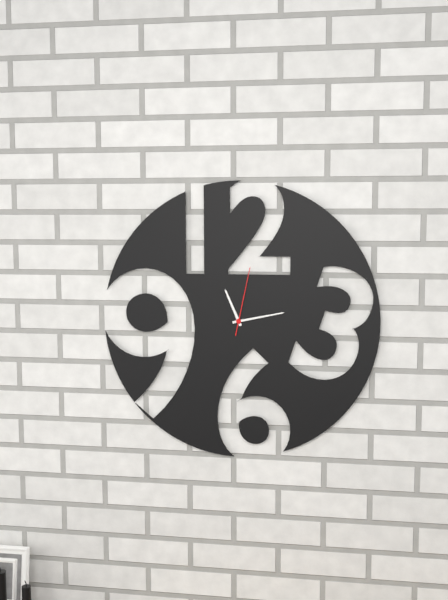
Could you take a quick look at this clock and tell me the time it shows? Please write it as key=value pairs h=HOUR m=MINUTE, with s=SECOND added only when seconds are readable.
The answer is h=11 m=13 s=2
